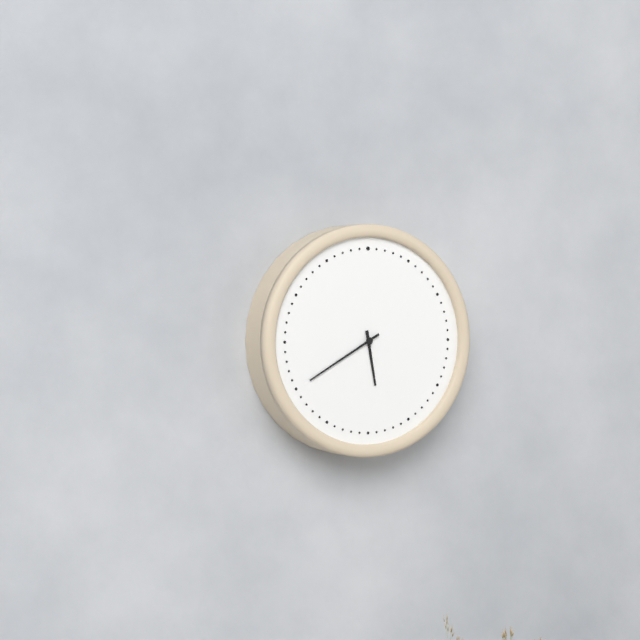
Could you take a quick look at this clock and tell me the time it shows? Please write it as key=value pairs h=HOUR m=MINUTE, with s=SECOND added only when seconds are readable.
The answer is h=5 m=40
